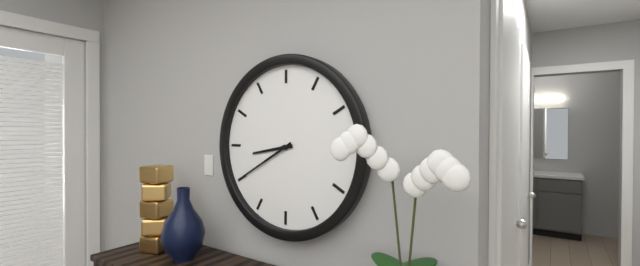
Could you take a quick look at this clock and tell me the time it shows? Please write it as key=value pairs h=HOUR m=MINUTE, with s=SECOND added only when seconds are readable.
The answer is h=8 m=40
